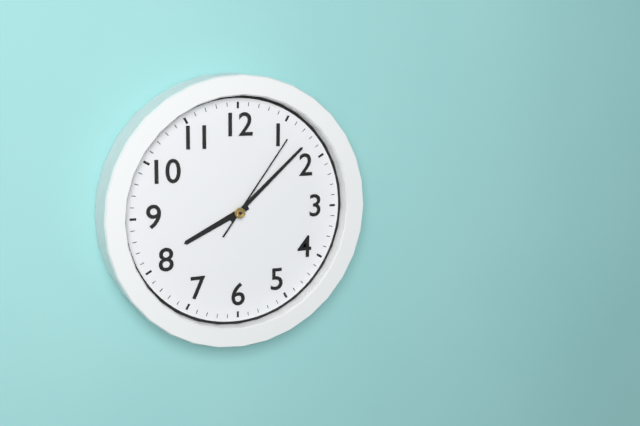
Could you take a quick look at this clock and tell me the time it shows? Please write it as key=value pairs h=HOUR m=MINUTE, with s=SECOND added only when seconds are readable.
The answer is h=8 m=8 s=6
